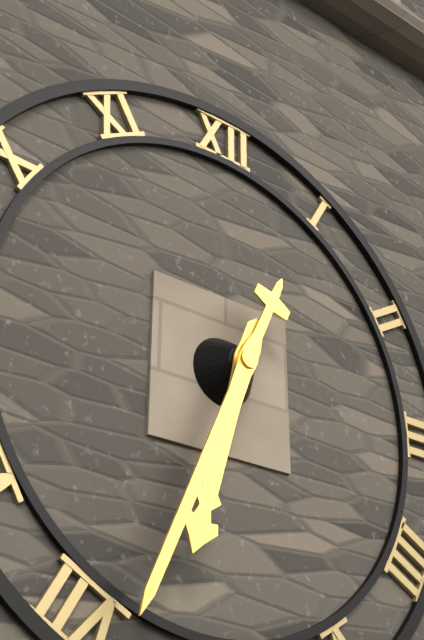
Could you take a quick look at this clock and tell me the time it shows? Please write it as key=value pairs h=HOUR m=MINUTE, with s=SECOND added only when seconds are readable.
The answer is h=6 m=34
